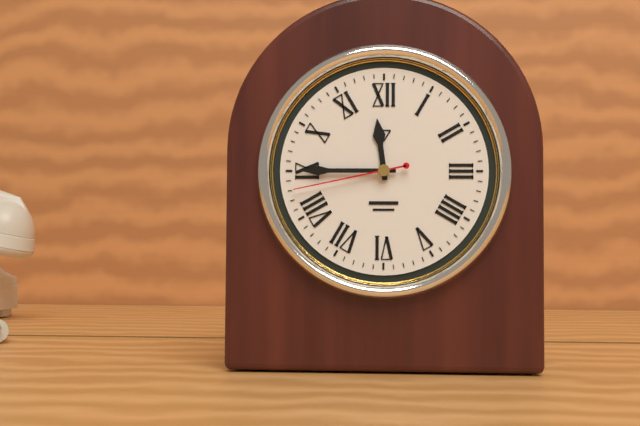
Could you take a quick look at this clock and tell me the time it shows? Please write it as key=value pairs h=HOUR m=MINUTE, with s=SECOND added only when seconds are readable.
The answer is h=11 m=45 s=43
